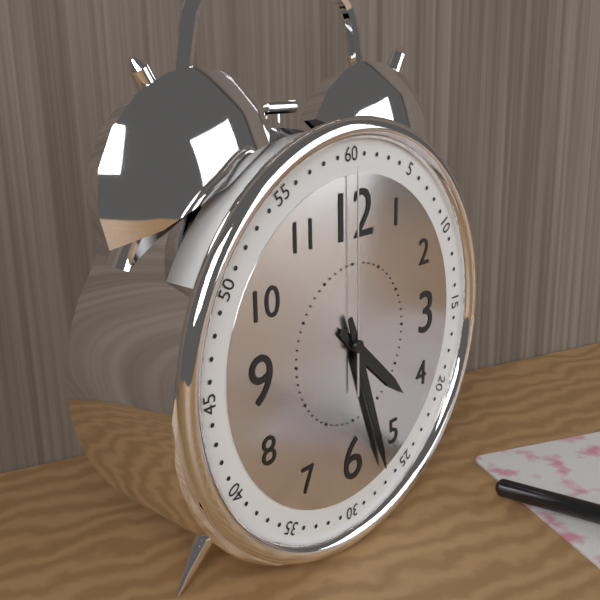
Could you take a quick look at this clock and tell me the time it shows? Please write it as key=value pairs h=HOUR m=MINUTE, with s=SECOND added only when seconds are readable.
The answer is h=4 m=27 s=0
